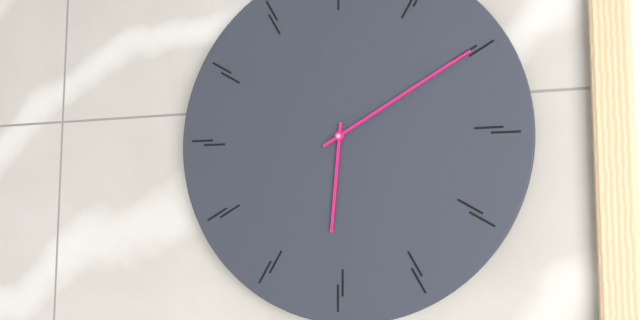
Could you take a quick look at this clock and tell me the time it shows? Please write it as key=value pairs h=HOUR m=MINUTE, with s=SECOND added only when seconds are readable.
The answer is h=6 m=10
